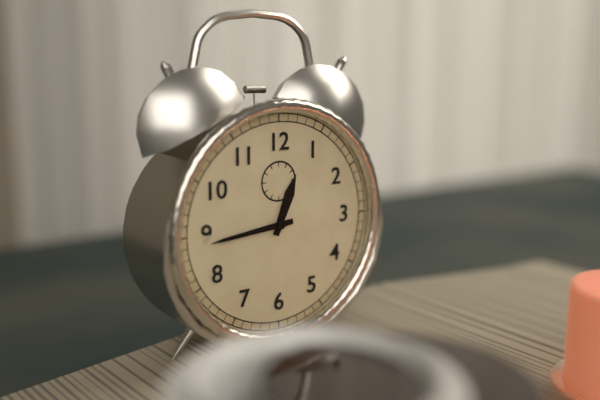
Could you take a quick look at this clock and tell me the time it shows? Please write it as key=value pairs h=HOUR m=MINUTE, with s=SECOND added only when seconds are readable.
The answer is h=12 m=44
